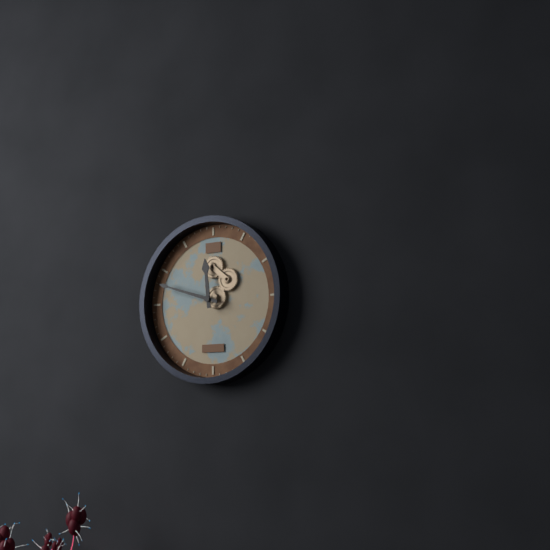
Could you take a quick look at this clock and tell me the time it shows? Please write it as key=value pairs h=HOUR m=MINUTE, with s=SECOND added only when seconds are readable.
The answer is h=11 m=48
